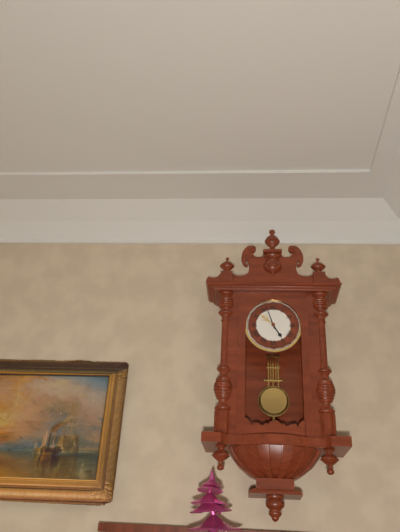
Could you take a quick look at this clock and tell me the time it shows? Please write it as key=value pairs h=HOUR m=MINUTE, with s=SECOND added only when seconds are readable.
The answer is h=4 m=57
